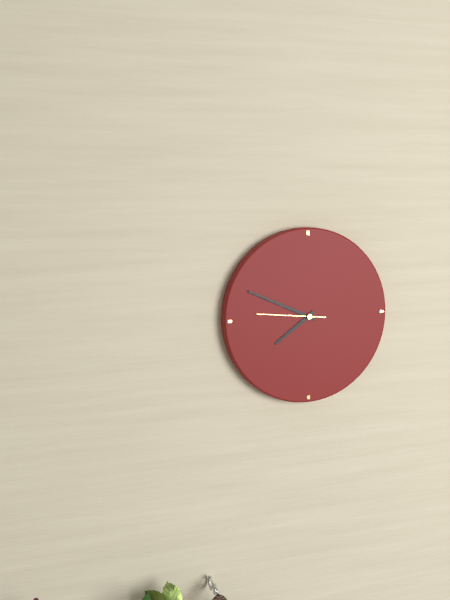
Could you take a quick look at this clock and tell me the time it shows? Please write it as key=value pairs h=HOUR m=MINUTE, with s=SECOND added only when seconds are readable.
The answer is h=7 m=49 s=46
